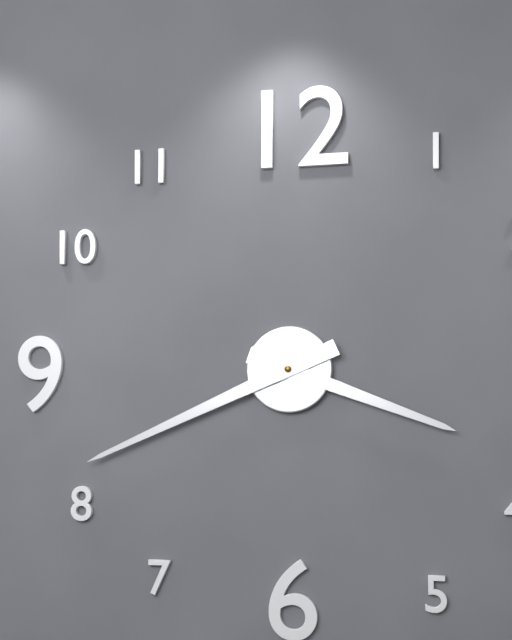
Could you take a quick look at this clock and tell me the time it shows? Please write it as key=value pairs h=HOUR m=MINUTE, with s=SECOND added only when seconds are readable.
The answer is h=3 m=41
